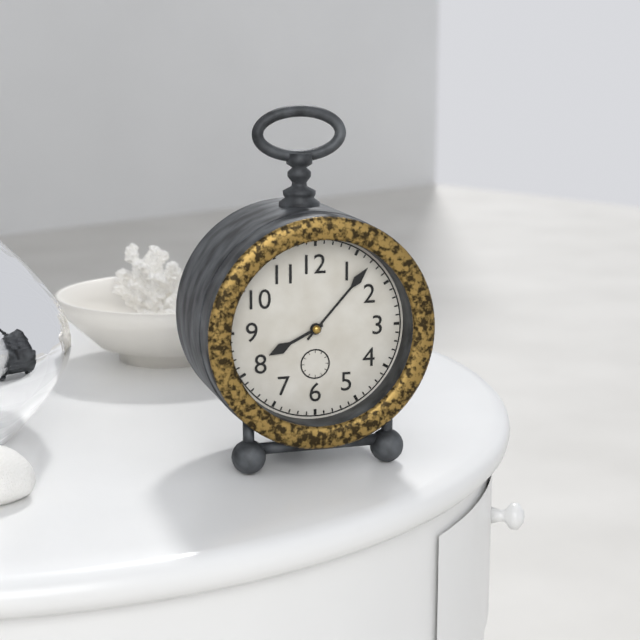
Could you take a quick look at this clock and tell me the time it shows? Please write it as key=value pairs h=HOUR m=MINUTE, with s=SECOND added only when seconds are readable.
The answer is h=8 m=7
